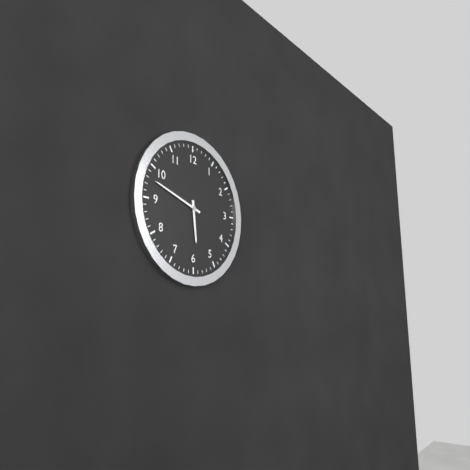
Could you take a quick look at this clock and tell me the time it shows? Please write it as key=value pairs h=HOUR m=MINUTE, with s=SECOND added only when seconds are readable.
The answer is h=5 m=48
